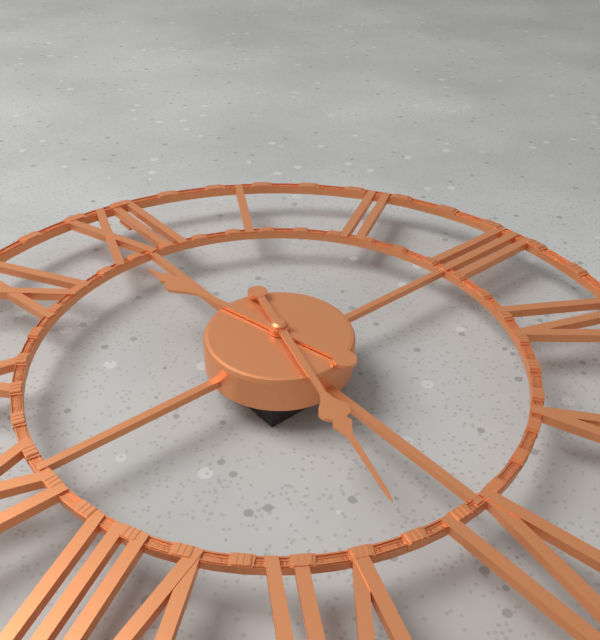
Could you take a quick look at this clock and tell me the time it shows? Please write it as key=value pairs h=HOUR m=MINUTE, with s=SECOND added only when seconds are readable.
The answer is h=11 m=33
